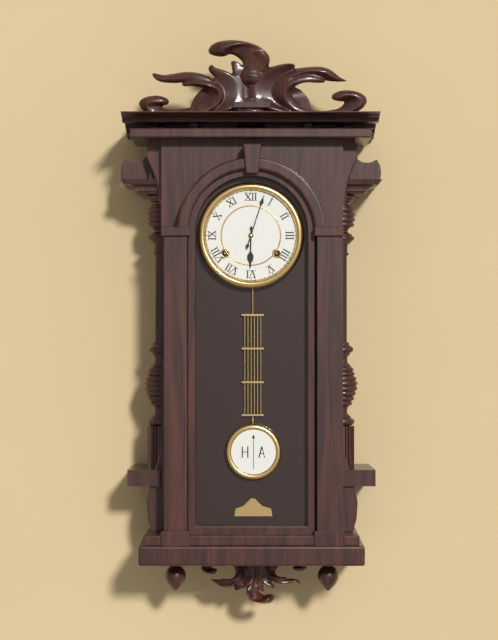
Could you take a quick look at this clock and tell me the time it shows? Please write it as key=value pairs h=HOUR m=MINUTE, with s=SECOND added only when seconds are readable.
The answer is h=6 m=3
